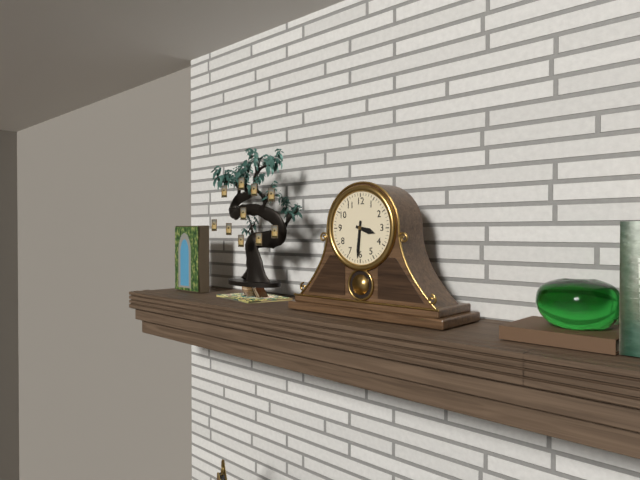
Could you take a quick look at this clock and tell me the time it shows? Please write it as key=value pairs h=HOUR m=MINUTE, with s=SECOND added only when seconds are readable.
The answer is h=3 m=31
